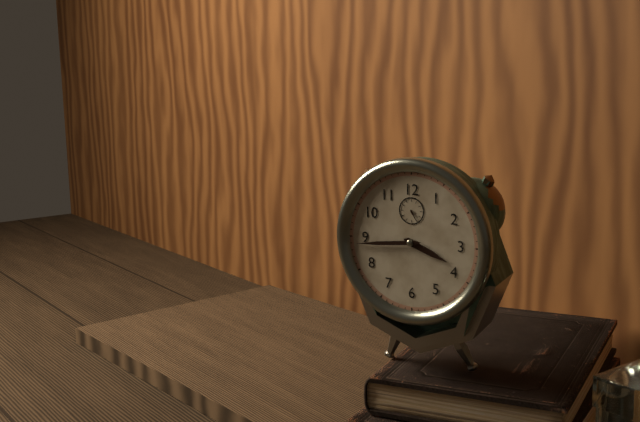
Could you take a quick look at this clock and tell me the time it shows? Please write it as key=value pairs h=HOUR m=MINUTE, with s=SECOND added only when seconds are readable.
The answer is h=3 m=44
